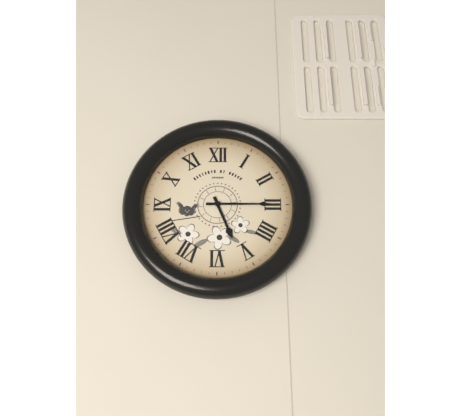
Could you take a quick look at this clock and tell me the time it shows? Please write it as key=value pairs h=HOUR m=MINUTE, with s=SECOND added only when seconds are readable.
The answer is h=5 m=15
